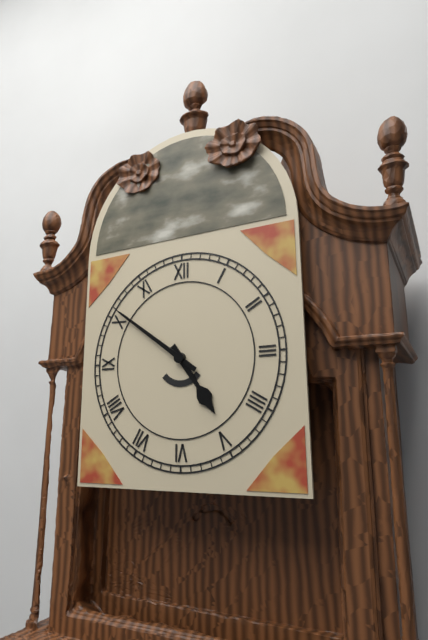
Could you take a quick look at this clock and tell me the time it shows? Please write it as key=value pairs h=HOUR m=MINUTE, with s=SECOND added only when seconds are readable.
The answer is h=4 m=51
